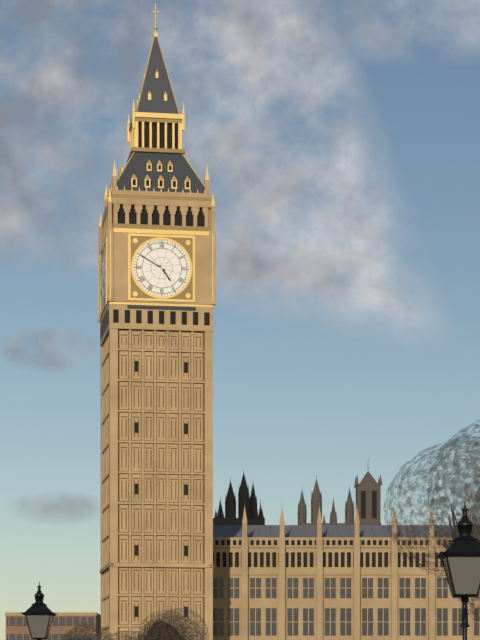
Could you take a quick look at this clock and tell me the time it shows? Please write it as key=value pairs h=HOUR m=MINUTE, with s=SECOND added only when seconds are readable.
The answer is h=4 m=50
